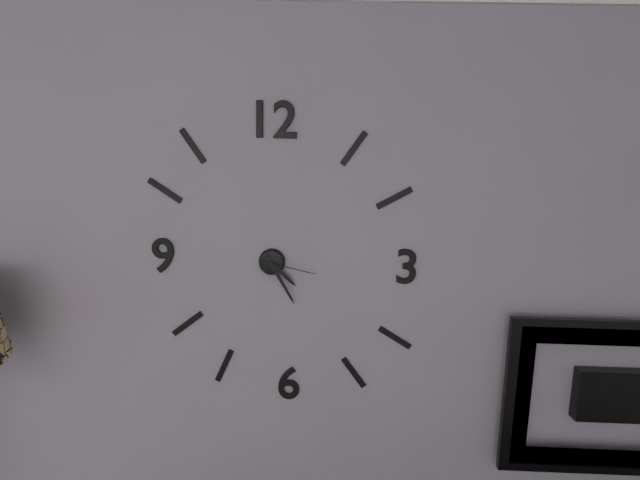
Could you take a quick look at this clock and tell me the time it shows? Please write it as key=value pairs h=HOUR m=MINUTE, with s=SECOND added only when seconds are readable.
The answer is h=4 m=25 s=17
